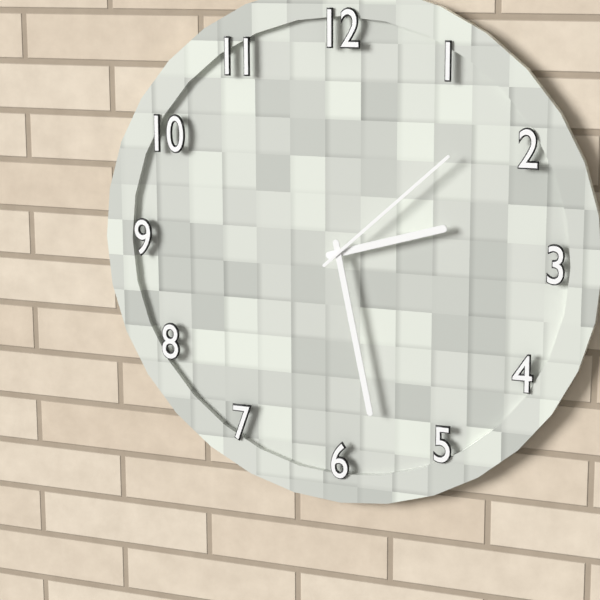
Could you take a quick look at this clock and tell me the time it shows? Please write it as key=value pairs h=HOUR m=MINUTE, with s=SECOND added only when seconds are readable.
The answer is h=2 m=28 s=8
